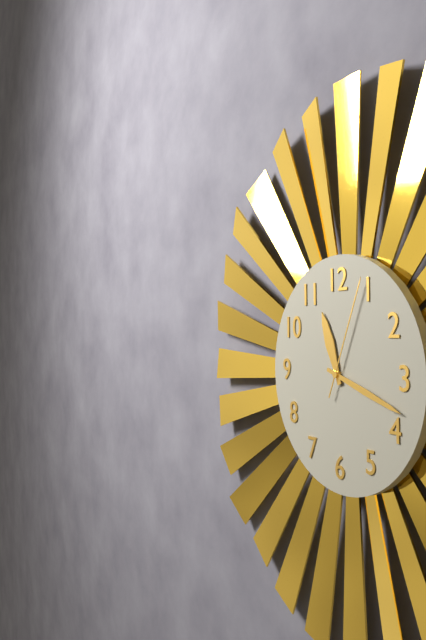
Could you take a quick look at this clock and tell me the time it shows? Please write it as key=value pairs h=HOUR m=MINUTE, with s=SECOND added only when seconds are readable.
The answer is h=11 m=18 s=4
